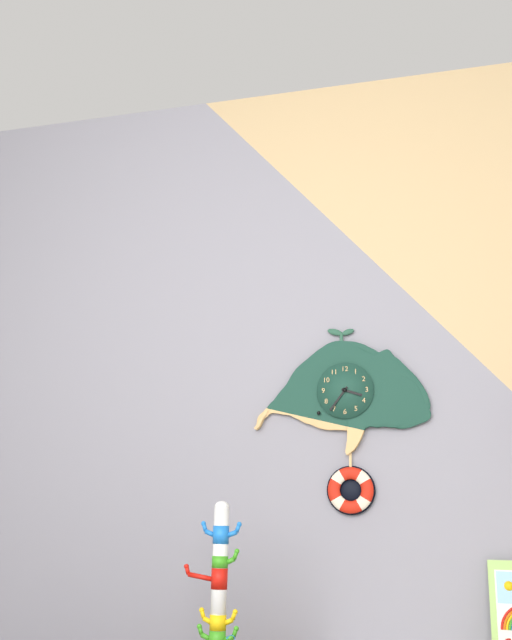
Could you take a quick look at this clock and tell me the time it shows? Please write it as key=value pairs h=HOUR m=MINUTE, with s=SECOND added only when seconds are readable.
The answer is h=3 m=36
